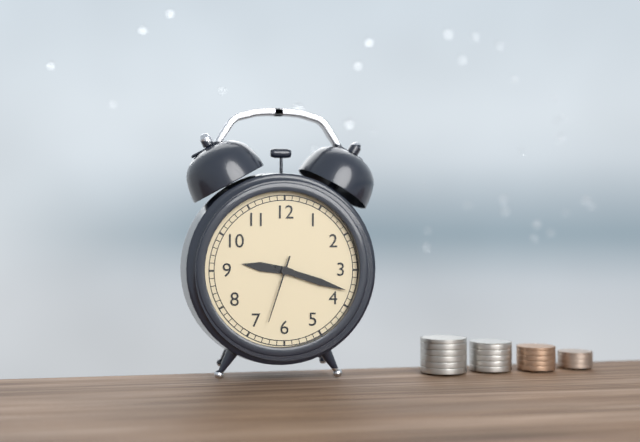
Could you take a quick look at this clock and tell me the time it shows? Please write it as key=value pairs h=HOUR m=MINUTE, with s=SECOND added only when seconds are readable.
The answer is h=9 m=18 s=33
